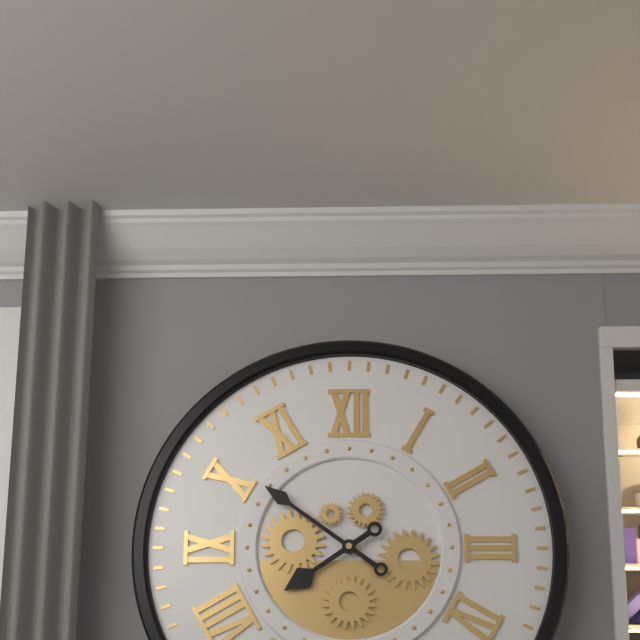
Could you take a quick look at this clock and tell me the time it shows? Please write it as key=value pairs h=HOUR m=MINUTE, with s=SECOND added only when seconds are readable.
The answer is h=7 m=51
